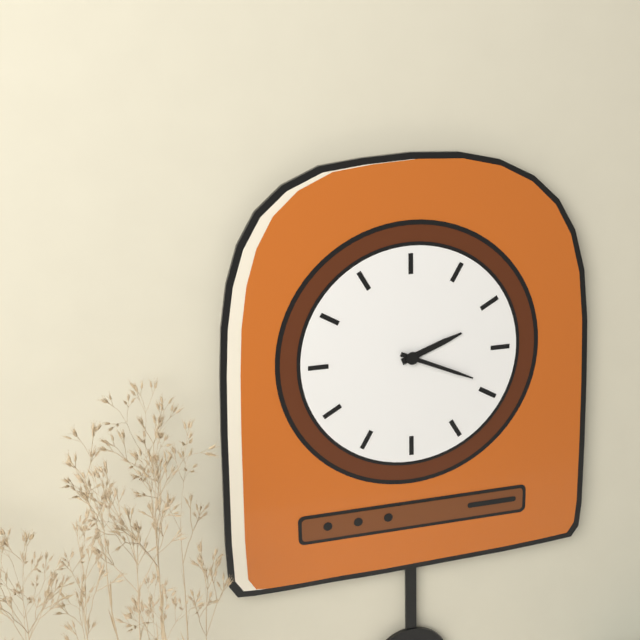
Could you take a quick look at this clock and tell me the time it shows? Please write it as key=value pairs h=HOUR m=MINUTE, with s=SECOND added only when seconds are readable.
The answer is h=2 m=19
